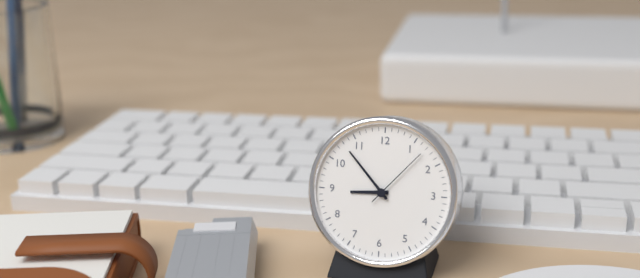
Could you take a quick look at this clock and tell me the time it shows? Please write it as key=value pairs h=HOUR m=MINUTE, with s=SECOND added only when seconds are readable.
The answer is h=8 m=53 s=7
